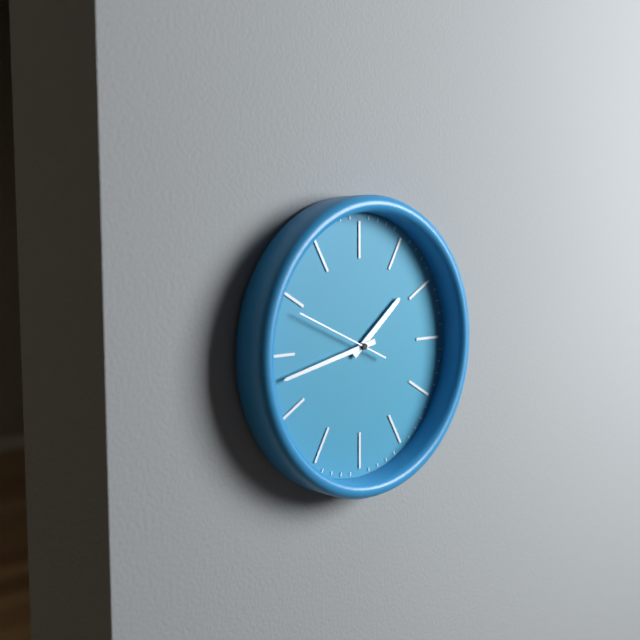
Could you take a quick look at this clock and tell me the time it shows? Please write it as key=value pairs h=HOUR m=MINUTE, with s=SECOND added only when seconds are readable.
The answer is h=1 m=43 s=49
